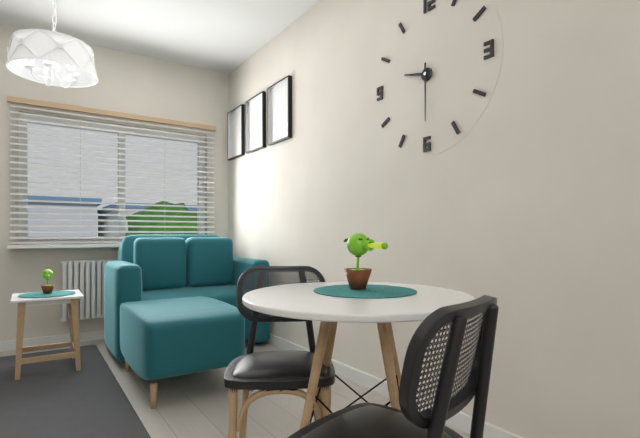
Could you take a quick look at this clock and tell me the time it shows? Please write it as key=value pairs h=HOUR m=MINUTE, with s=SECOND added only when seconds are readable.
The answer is h=9 m=30
